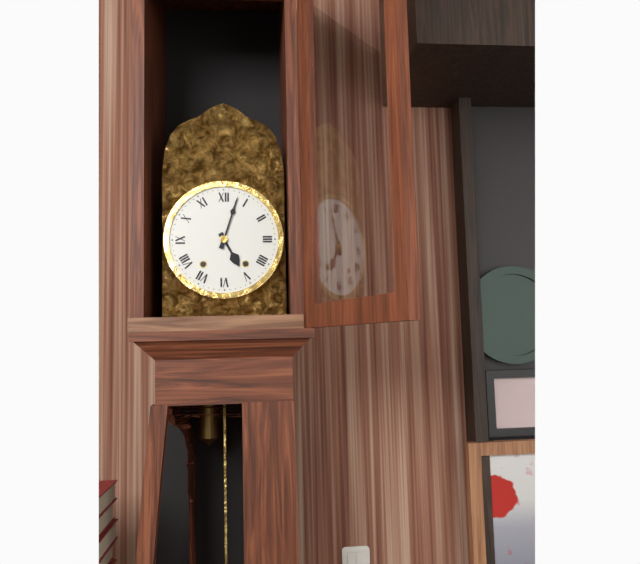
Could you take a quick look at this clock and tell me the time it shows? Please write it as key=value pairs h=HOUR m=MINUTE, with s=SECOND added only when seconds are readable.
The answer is h=5 m=3
